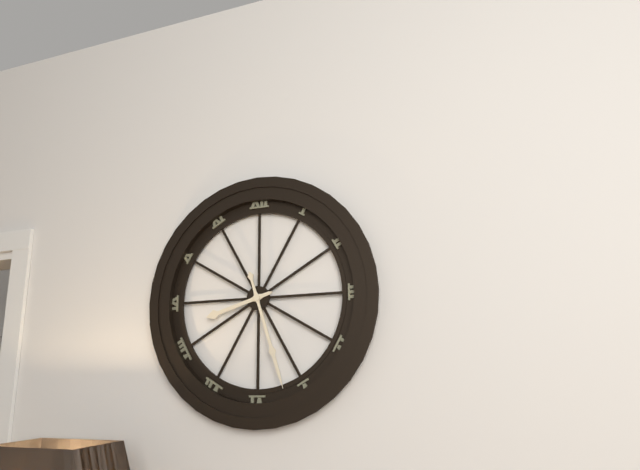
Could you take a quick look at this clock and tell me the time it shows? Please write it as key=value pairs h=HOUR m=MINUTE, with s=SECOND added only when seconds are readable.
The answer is h=8 m=27
